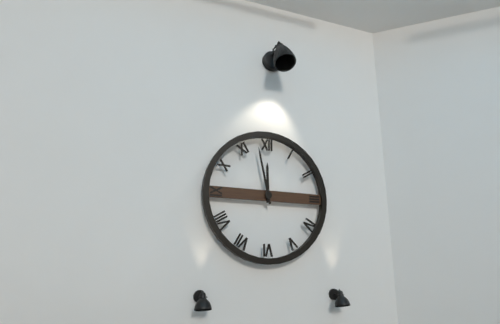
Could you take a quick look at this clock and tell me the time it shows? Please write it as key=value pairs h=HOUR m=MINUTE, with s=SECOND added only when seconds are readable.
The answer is h=11 m=58
